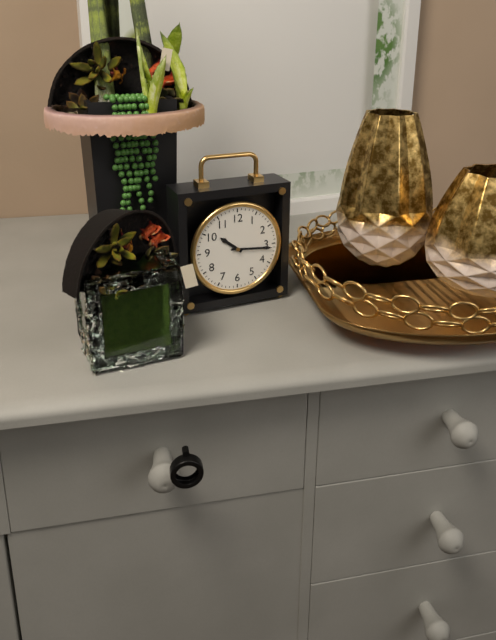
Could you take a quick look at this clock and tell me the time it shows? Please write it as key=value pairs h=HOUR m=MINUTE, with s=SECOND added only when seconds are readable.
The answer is h=10 m=16
